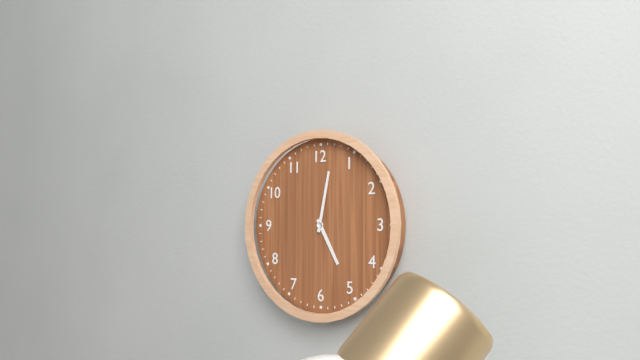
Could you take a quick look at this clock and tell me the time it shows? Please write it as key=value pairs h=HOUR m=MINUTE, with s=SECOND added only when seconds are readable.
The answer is h=5 m=2
